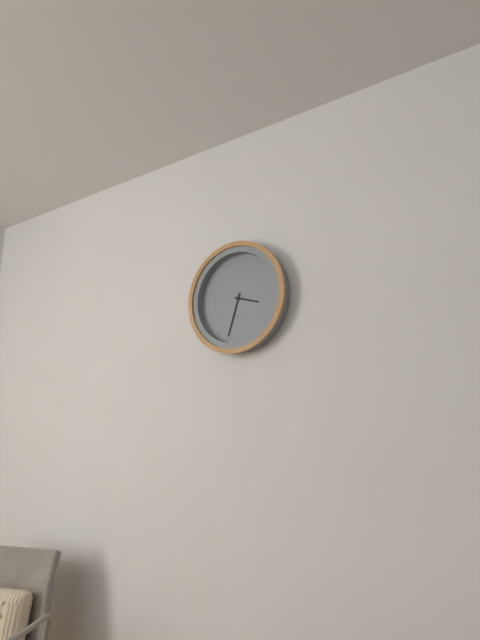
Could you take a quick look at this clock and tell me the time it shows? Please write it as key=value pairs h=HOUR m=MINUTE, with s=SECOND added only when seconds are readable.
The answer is h=3 m=33
